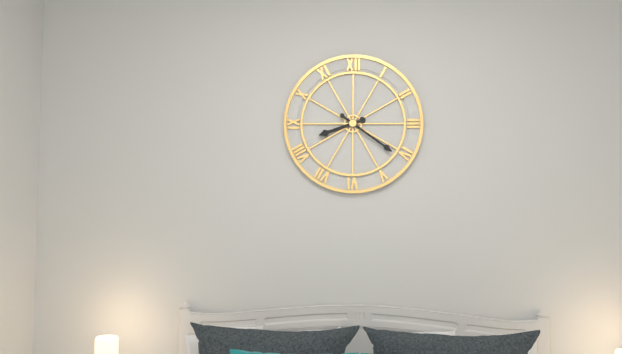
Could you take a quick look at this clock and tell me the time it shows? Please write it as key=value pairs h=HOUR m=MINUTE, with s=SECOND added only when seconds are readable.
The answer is h=8 m=21
